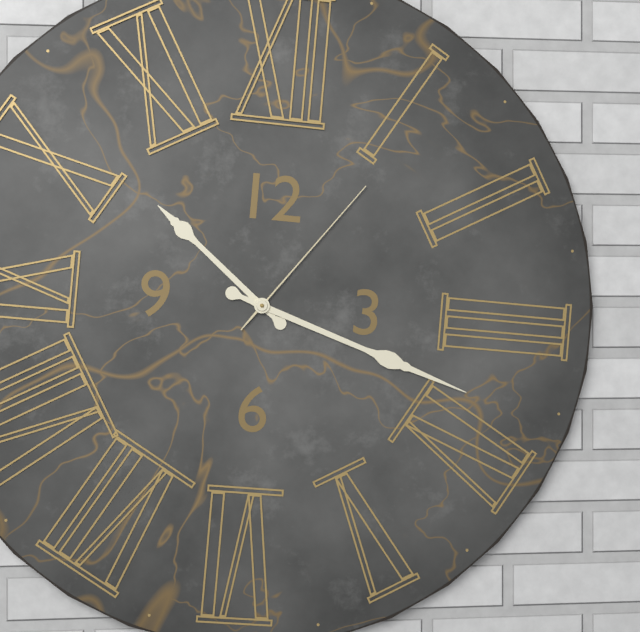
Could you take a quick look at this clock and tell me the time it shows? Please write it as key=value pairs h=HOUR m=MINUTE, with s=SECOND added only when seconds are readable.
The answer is h=10 m=18 s=6
